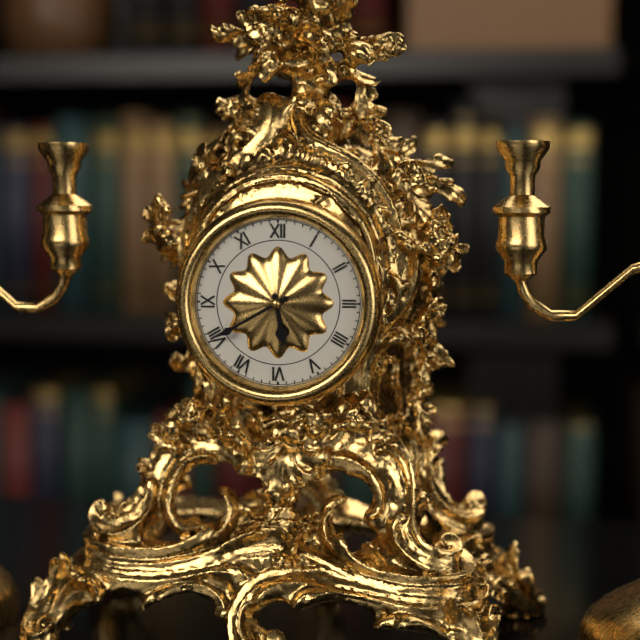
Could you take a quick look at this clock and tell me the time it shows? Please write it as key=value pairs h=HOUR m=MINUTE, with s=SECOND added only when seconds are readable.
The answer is h=5 m=40
